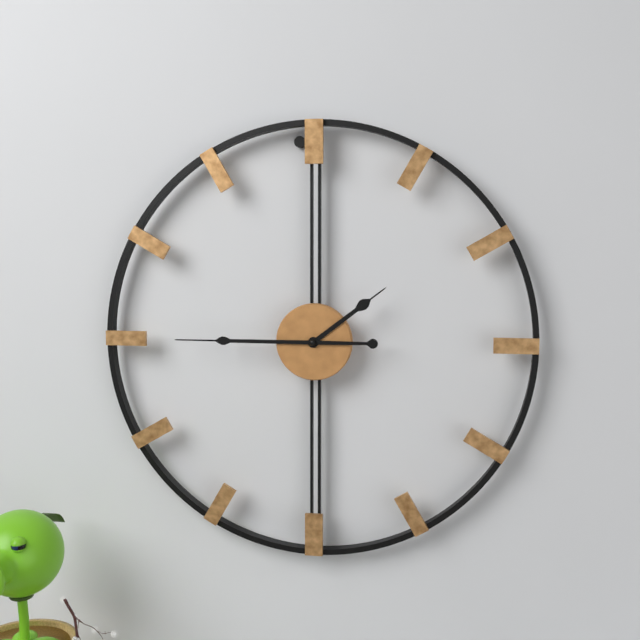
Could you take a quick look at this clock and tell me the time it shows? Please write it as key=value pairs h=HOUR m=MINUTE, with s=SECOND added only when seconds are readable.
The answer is h=1 m=45
